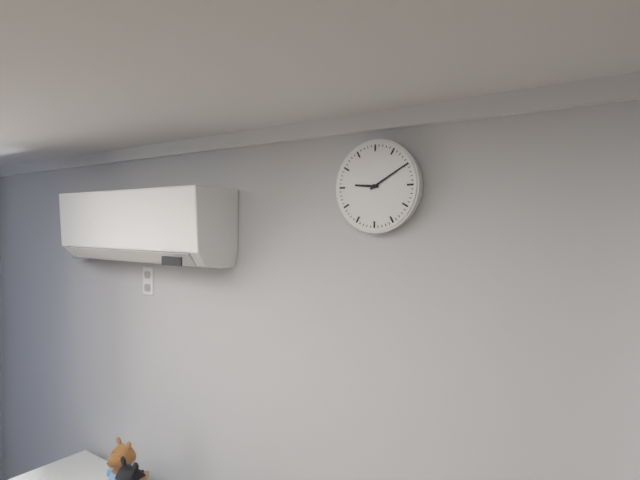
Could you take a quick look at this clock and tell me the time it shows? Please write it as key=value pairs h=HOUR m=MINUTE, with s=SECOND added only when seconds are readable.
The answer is h=9 m=10
